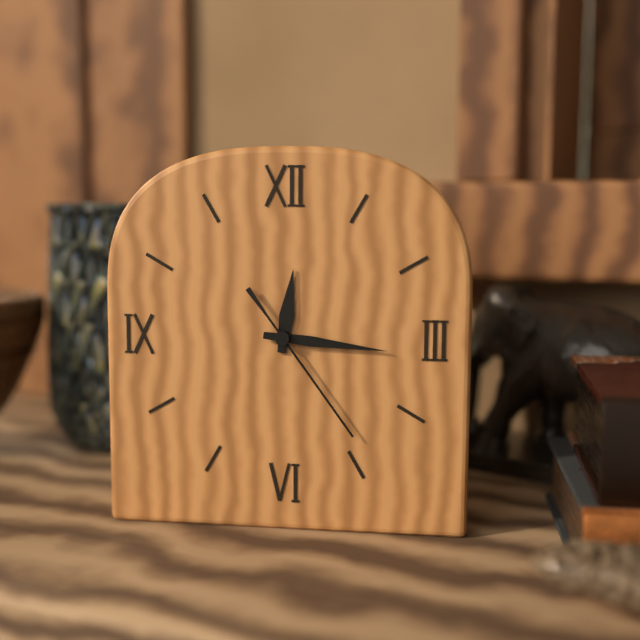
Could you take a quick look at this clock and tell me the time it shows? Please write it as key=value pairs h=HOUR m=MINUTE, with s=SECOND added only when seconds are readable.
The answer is h=12 m=16 s=24
